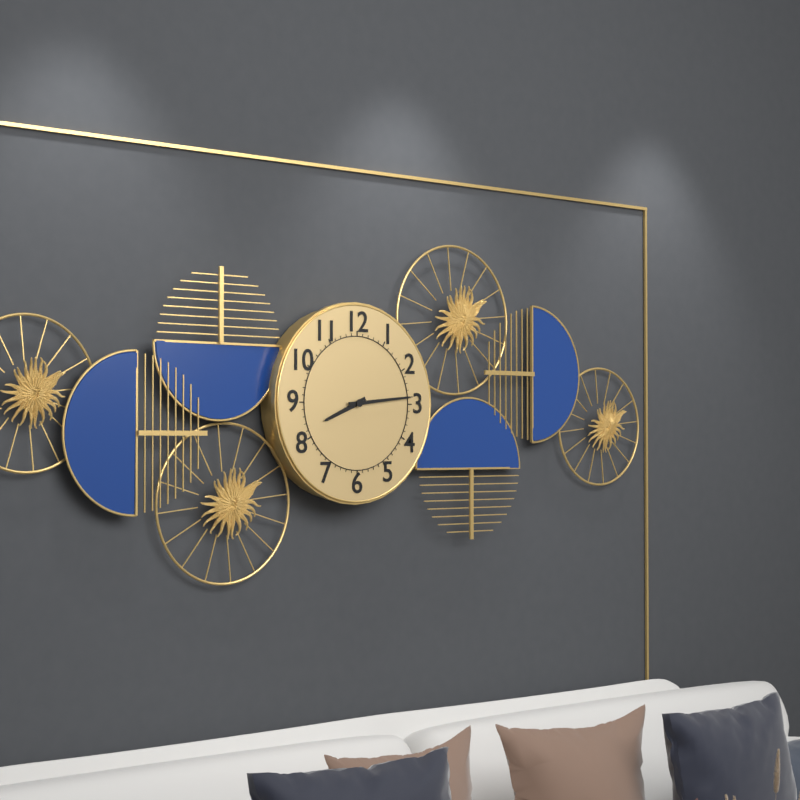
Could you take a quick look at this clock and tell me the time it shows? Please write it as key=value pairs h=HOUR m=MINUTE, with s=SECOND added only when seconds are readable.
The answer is h=8 m=14
